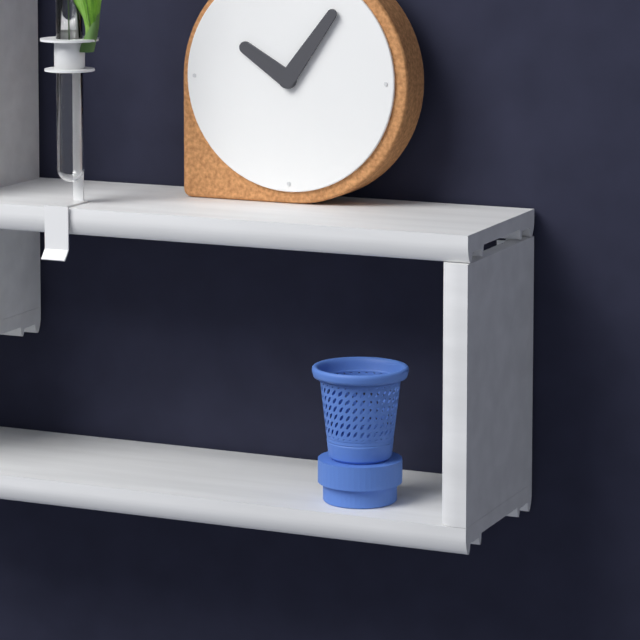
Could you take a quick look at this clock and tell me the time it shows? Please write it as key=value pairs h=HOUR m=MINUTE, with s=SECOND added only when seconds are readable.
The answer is h=10 m=6
